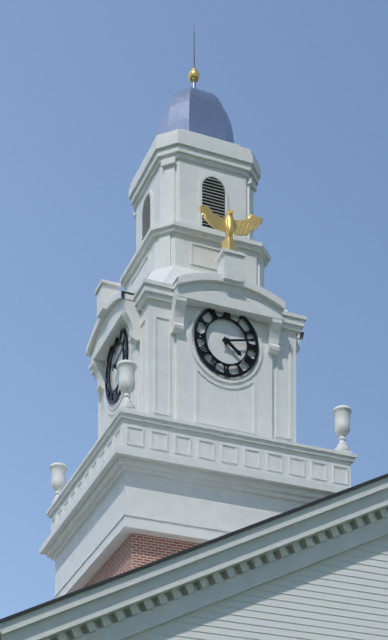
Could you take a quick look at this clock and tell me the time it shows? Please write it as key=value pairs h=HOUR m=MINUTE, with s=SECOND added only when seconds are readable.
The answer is h=4 m=13
